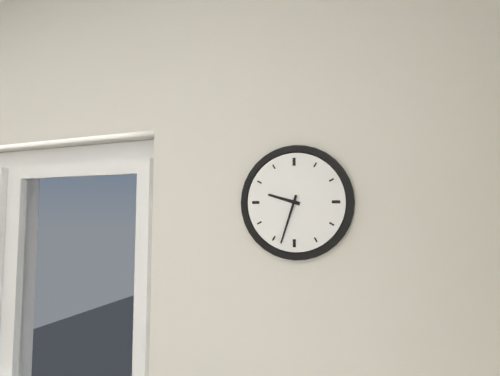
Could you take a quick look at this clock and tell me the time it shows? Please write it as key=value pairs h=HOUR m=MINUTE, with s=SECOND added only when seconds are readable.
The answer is h=9 m=33
